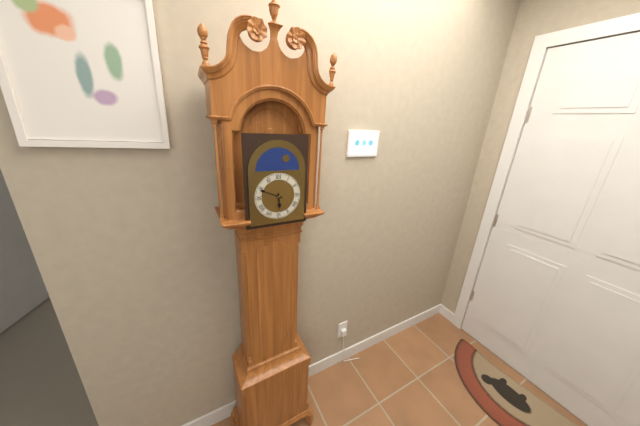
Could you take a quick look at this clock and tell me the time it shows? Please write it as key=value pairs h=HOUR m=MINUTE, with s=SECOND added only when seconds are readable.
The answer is h=5 m=49
